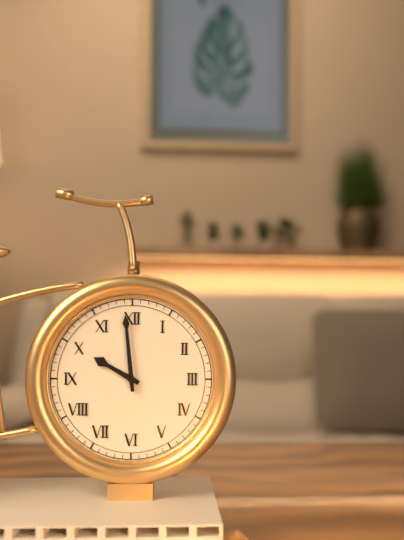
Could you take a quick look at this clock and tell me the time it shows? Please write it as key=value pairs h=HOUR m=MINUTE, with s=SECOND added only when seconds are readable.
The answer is h=9 m=59
